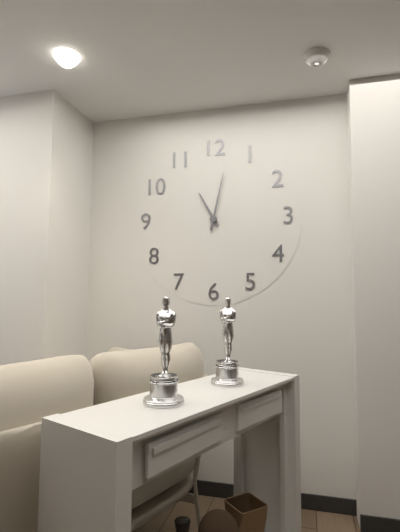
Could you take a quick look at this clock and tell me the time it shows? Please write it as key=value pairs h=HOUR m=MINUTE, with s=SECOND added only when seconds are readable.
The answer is h=11 m=2
